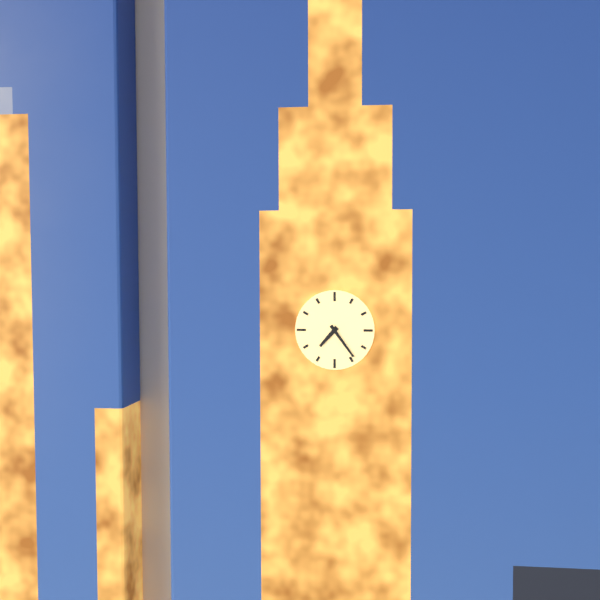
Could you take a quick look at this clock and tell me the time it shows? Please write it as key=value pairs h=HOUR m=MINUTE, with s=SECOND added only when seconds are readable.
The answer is h=7 m=24
